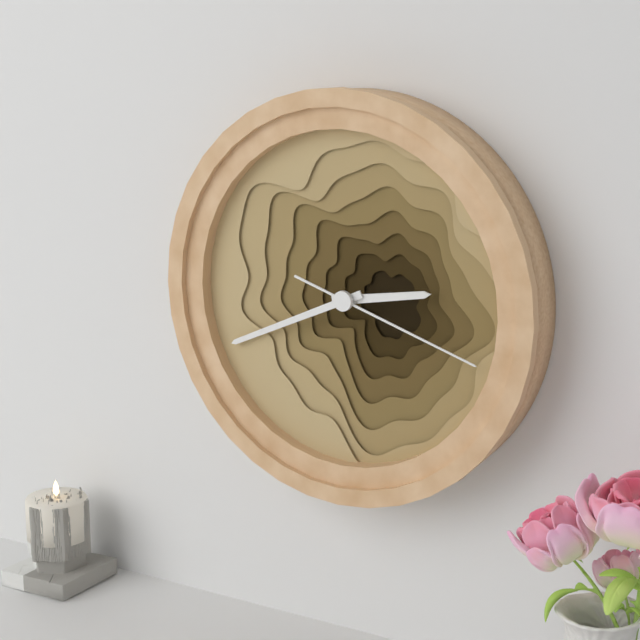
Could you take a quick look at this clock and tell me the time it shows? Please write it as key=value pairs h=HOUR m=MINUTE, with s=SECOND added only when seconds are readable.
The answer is h=2 m=41 s=18
